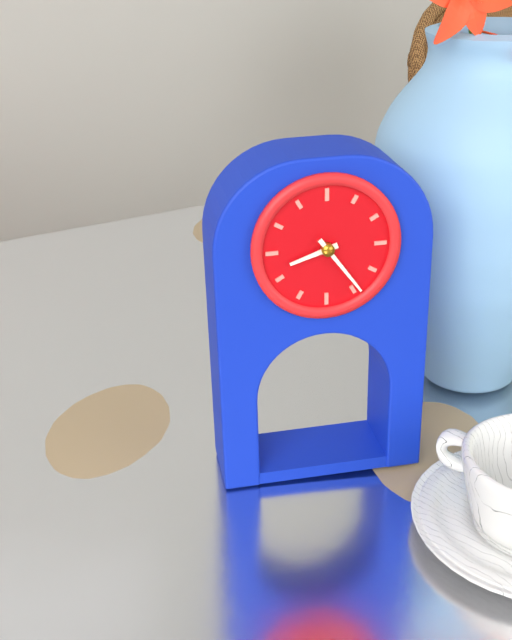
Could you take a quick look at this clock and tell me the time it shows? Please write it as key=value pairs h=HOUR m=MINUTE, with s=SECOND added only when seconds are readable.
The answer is h=8 m=24
